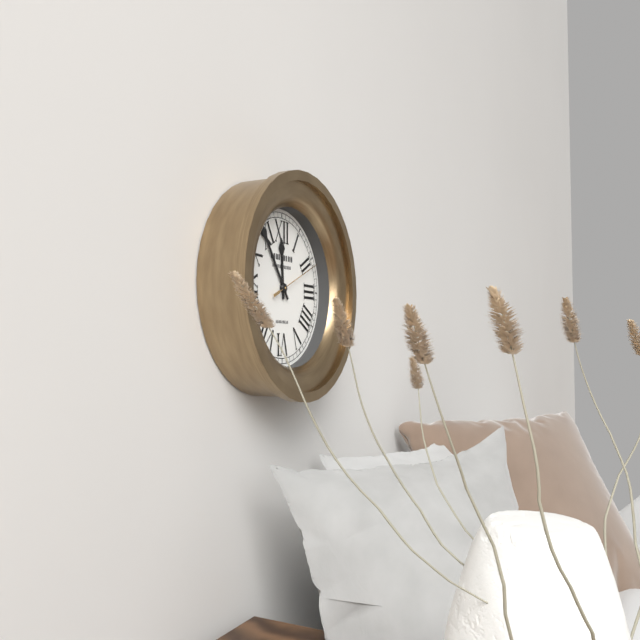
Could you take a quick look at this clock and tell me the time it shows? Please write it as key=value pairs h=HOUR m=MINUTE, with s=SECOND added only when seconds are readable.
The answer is h=11 m=54 s=11
